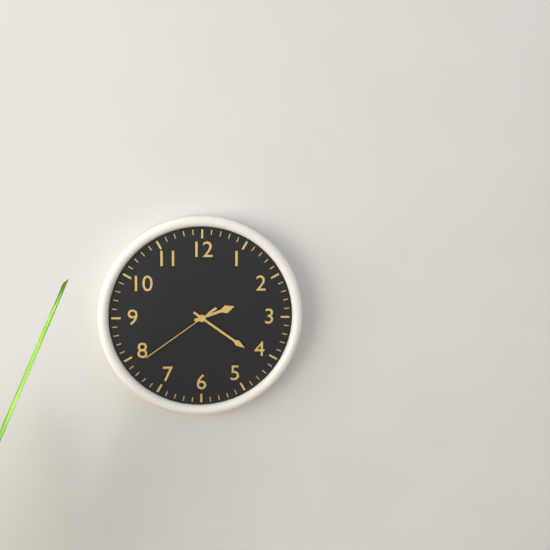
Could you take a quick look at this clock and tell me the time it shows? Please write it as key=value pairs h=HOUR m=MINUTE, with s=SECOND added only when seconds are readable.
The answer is h=2 m=21 s=39
